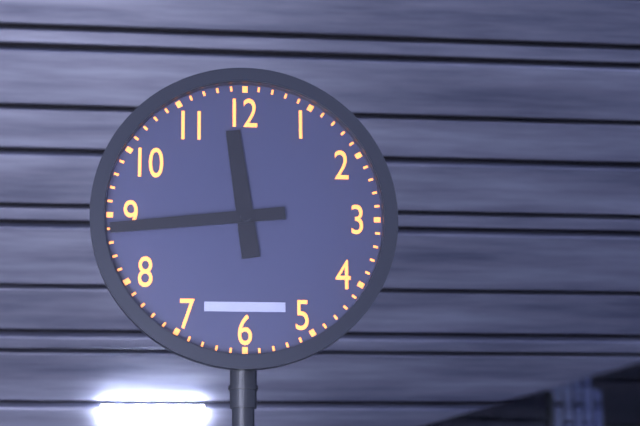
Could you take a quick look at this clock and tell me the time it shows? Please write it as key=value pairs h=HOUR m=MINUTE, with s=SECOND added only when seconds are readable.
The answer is h=11 m=44
